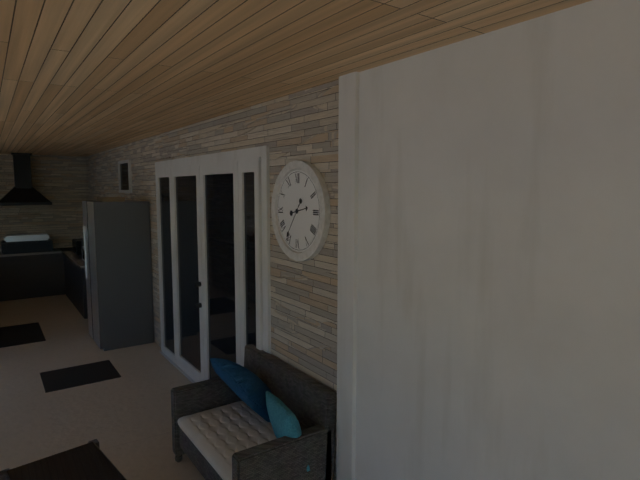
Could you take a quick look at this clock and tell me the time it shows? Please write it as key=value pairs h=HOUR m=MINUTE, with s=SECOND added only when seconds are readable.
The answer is h=2 m=36
